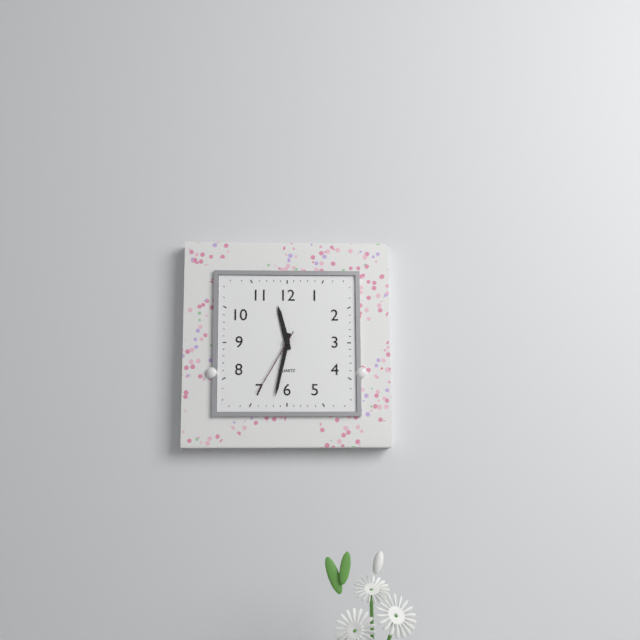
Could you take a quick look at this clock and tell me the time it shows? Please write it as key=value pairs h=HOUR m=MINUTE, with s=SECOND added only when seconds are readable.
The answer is h=11 m=32 s=35
